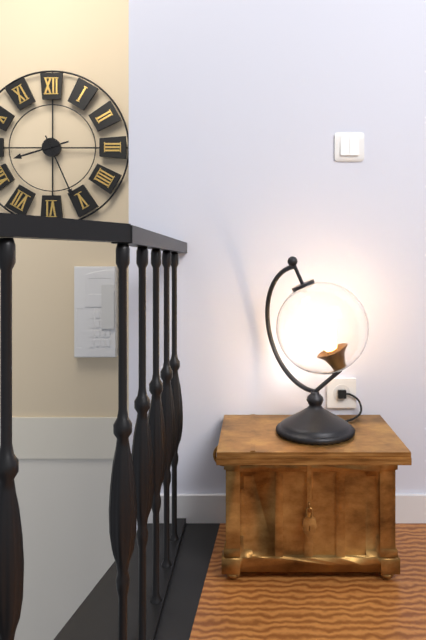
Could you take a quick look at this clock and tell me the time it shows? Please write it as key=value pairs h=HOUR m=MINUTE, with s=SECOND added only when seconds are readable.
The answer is h=8 m=26
